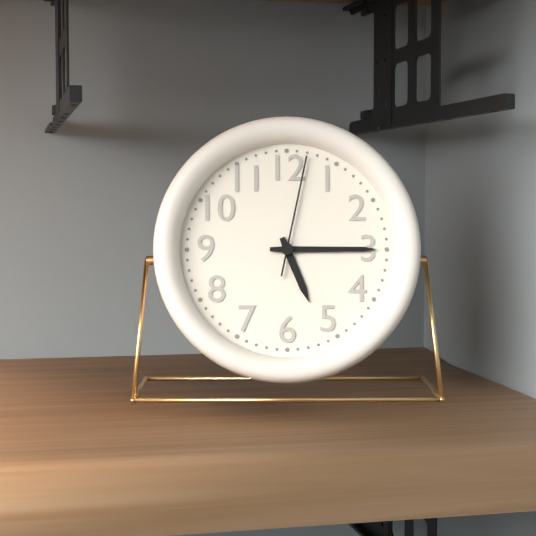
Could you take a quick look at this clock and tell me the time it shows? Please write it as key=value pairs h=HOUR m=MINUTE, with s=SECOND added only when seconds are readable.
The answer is h=5 m=15 s=2
